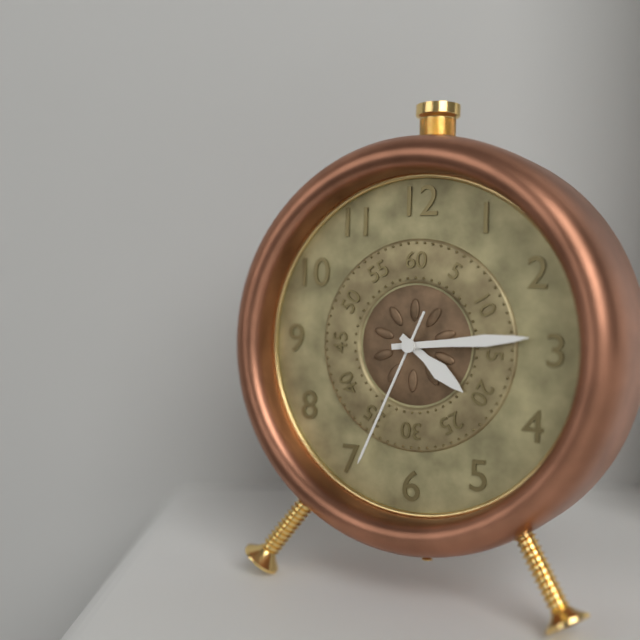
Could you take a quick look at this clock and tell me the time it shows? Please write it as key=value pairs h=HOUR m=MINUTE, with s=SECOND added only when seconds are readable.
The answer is h=4 m=14 s=34
